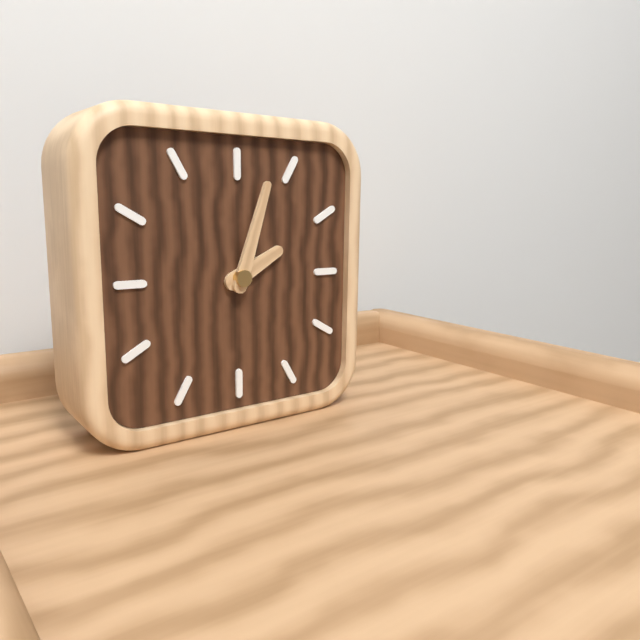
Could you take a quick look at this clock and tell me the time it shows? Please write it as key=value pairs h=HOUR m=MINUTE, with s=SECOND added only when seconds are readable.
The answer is h=2 m=3
